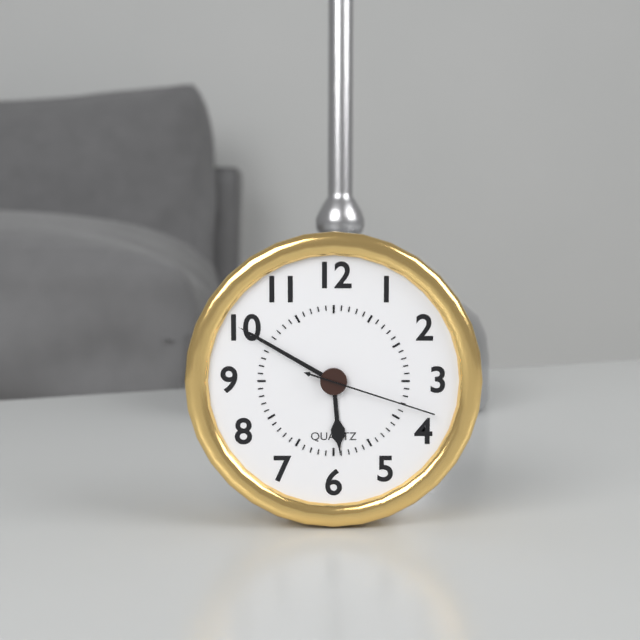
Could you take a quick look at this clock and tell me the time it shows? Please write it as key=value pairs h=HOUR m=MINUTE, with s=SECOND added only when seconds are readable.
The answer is h=5 m=50 s=18
